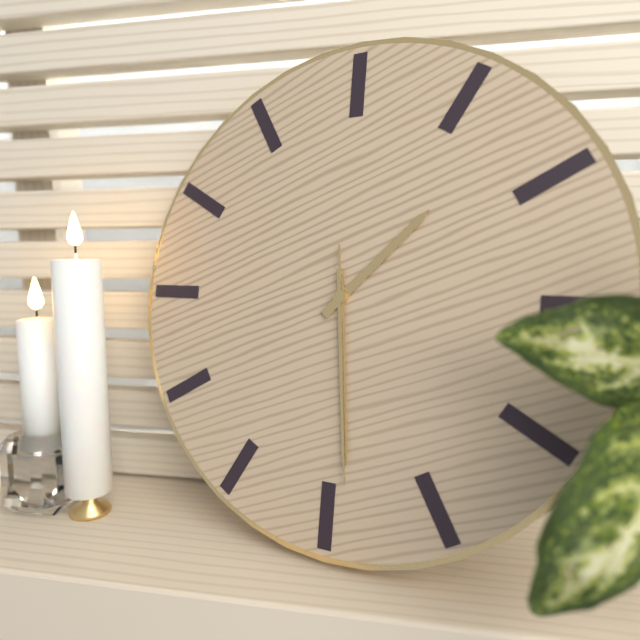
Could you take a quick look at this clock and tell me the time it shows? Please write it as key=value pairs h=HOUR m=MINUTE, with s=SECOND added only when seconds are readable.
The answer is h=1 m=29 s=29
